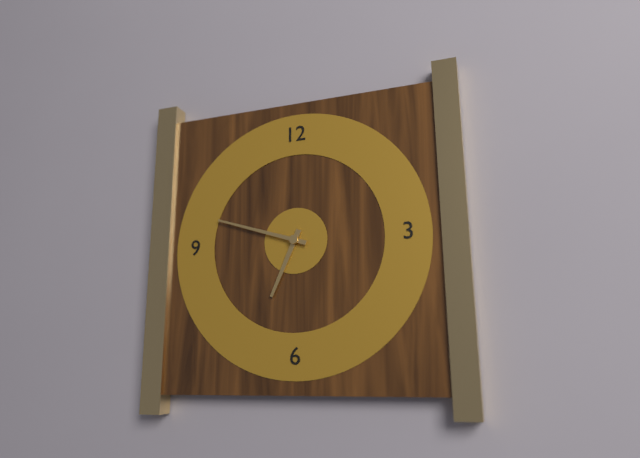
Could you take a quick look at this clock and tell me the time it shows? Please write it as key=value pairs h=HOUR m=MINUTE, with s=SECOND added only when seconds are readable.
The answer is h=6 m=48
